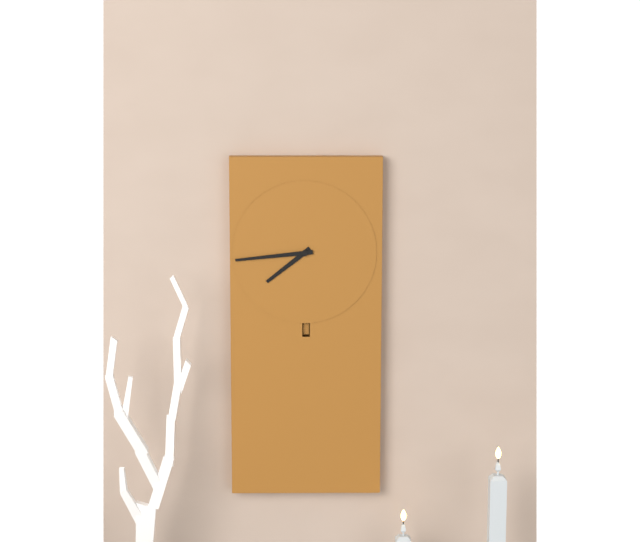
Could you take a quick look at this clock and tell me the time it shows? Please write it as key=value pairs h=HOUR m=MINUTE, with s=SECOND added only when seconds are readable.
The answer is h=7 m=44
